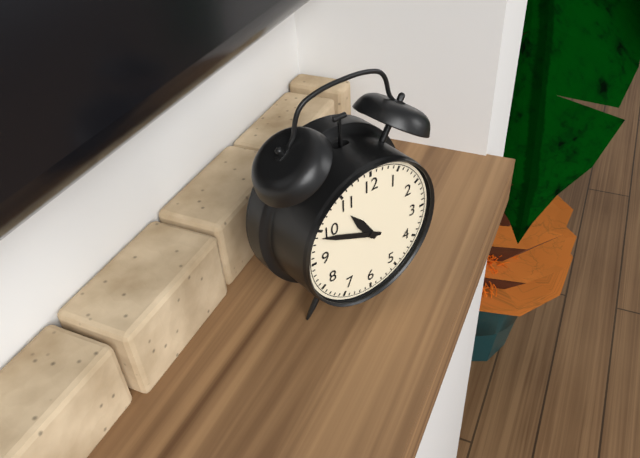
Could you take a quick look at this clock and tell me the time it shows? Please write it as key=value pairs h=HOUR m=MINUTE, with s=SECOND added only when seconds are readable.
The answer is h=10 m=49
